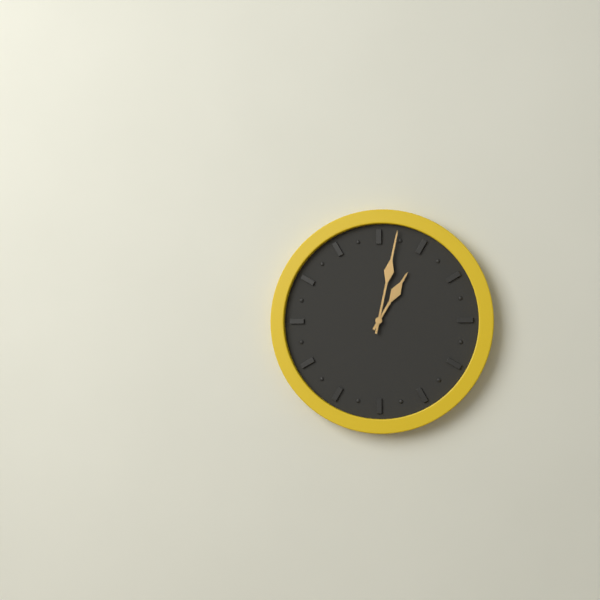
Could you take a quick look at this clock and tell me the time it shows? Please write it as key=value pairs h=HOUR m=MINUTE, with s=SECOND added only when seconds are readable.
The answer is h=1 m=2
